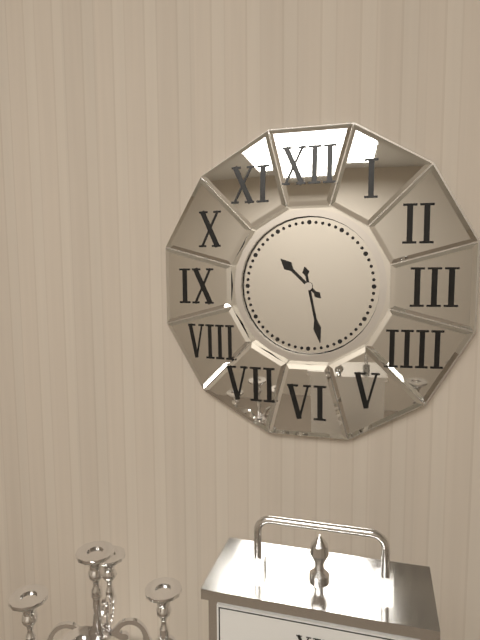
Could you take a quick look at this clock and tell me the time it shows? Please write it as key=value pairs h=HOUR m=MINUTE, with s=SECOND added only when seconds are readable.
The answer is h=10 m=28
